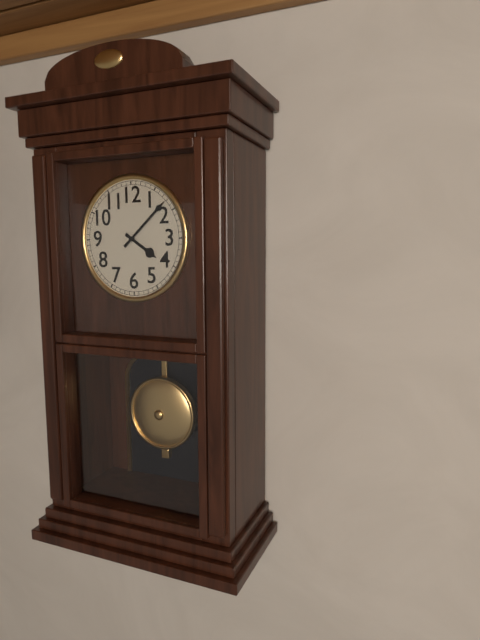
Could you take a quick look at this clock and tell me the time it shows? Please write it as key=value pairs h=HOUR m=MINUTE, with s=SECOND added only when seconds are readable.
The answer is h=4 m=8
